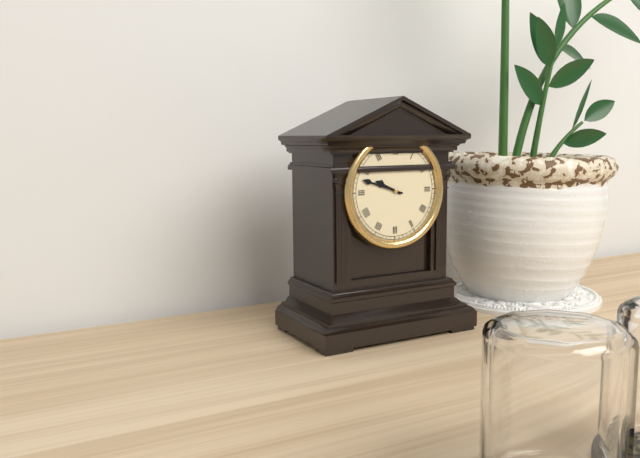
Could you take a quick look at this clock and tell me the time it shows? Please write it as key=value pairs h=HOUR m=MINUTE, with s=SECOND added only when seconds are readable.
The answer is h=9 m=48
